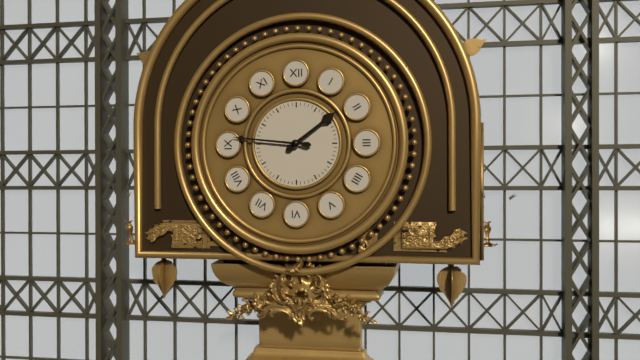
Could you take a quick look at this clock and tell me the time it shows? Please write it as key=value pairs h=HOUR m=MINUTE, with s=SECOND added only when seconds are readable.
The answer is h=1 m=46
